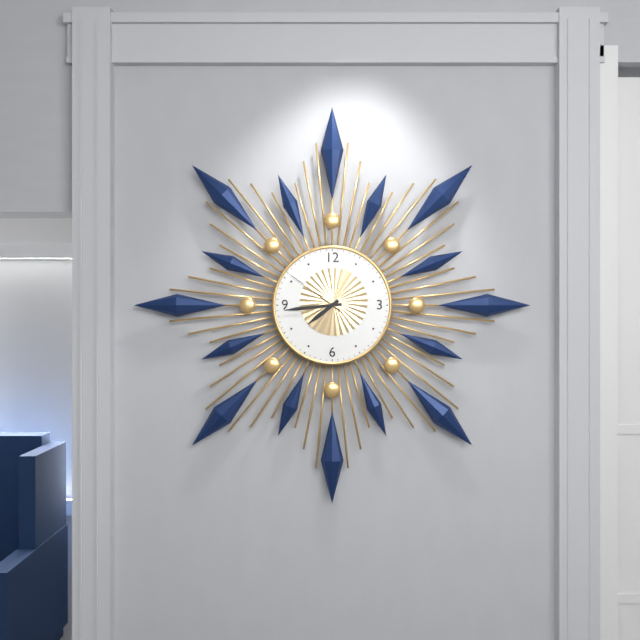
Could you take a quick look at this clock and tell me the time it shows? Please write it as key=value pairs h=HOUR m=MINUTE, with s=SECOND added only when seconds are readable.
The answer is h=7 m=44 s=51
